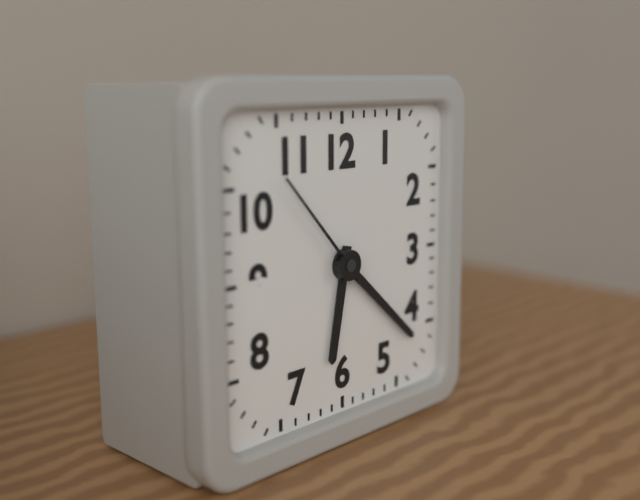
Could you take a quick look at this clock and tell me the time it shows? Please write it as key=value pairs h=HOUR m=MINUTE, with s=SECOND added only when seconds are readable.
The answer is h=6 m=22 s=53
